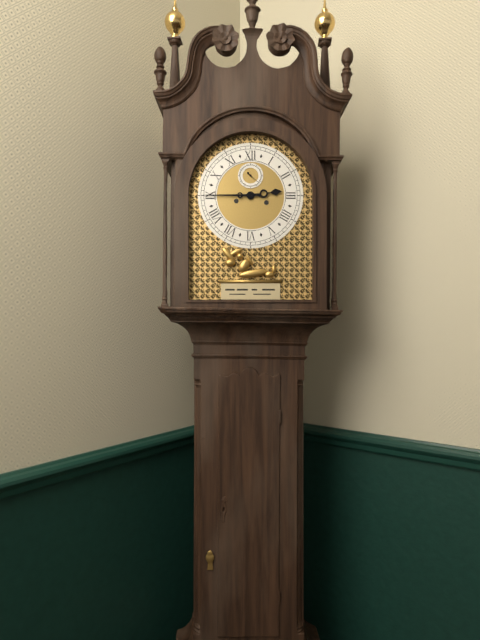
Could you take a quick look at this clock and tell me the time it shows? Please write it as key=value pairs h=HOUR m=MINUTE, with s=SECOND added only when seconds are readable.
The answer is h=2 m=45
